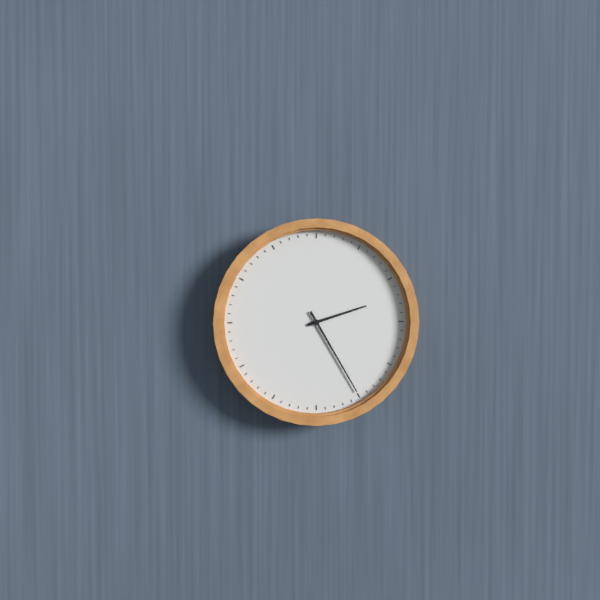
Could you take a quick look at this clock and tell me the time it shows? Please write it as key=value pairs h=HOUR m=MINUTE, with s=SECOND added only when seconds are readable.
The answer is h=2 m=25
